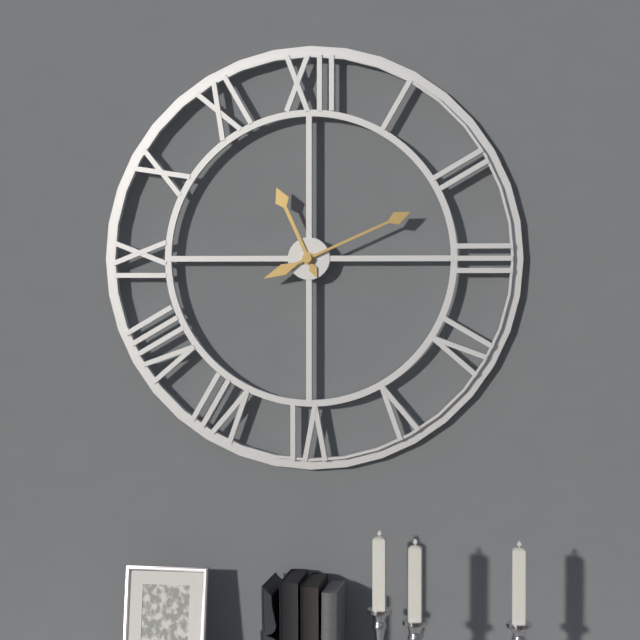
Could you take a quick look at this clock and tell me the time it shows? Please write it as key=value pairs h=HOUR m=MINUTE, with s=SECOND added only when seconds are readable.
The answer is h=11 m=11
